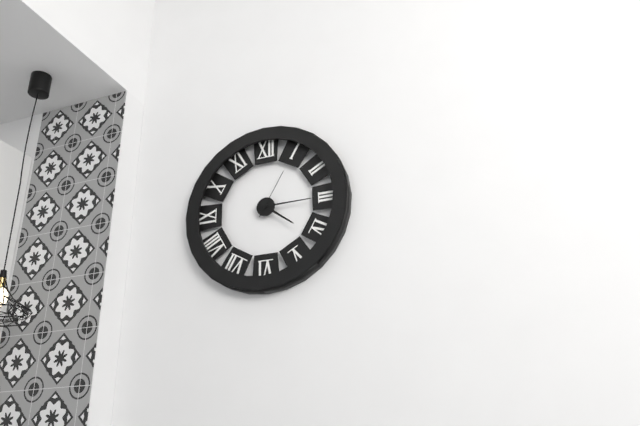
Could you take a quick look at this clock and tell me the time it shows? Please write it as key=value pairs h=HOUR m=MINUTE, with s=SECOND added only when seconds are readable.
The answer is h=4 m=15 s=5
